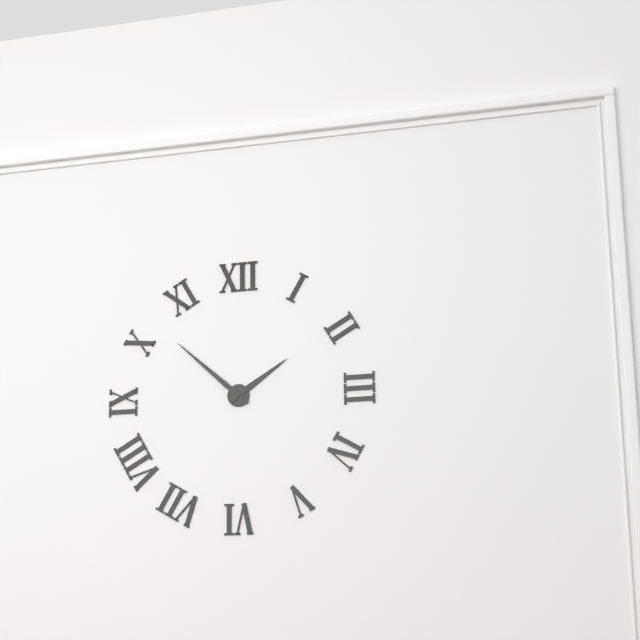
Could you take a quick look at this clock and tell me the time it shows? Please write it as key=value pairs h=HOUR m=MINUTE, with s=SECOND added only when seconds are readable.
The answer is h=1 m=52
